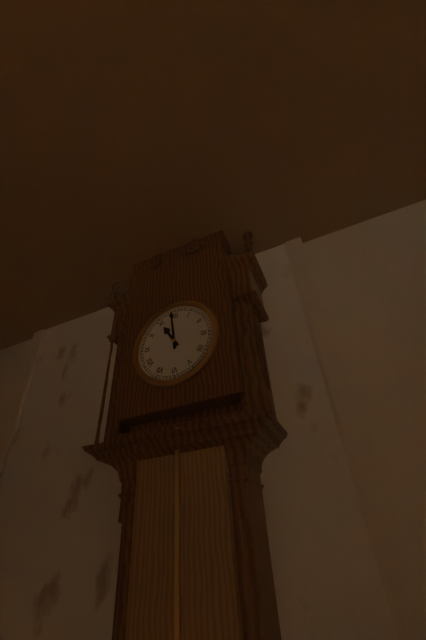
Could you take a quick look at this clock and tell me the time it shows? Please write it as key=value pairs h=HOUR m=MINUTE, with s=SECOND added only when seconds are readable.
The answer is h=10 m=59
